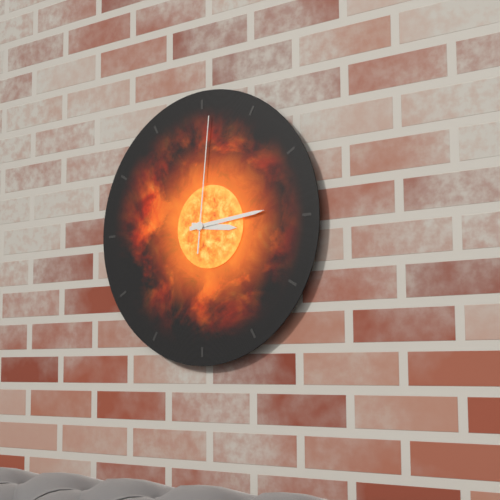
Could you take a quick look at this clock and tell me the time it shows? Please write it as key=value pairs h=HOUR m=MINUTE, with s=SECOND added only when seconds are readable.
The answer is h=3 m=14 s=1
